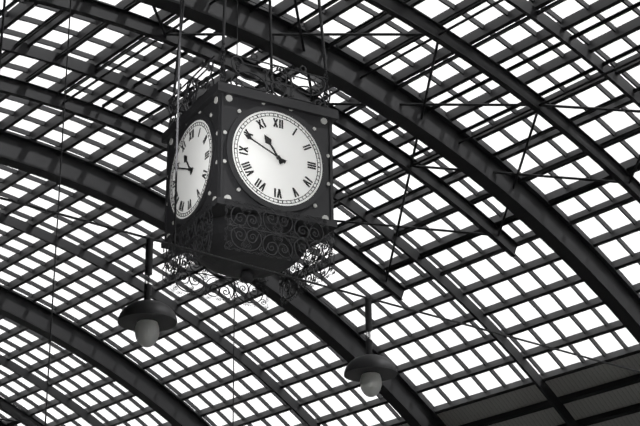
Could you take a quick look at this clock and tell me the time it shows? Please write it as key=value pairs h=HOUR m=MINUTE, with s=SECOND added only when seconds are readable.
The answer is h=10 m=49
